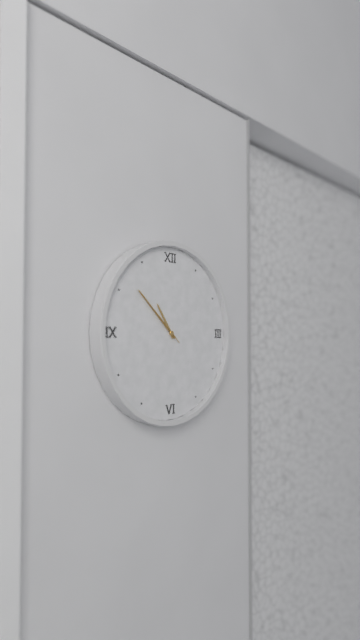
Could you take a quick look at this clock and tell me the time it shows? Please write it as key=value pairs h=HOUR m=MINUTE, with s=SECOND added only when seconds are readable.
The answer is h=10 m=52 s=52
